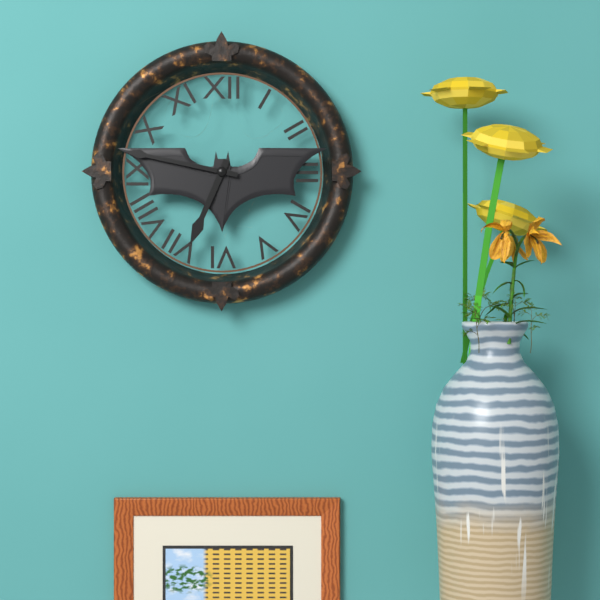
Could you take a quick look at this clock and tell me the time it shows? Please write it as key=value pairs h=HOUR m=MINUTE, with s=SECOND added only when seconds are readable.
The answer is h=6 m=47
